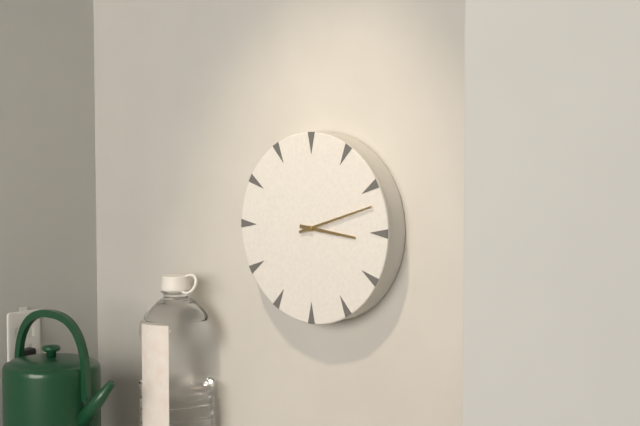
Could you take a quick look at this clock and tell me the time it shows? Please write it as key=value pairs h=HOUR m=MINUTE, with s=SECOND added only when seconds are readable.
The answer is h=3 m=12
